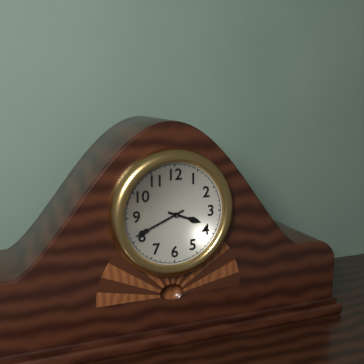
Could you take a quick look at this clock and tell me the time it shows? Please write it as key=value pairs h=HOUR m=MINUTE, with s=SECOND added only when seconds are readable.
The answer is h=3 m=41
